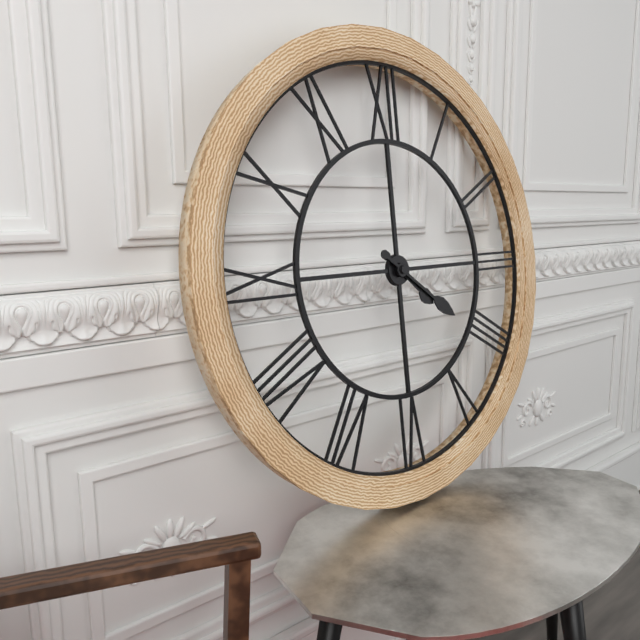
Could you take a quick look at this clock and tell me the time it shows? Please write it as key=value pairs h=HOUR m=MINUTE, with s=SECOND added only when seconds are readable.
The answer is h=4 m=21
